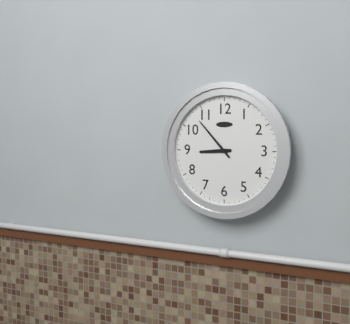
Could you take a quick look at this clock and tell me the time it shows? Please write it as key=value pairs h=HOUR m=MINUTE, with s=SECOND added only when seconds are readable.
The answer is h=8 m=53
